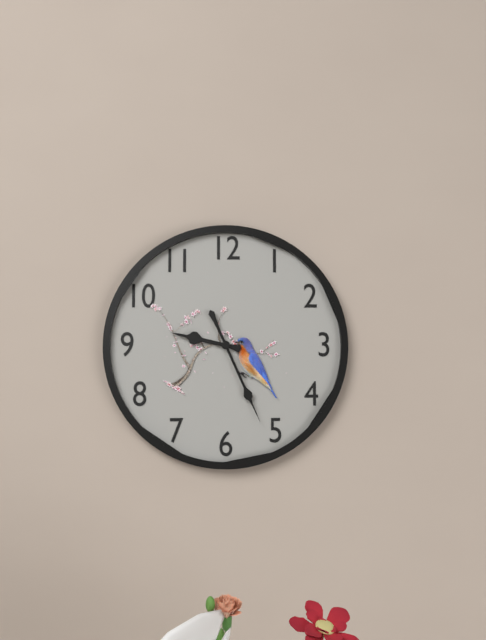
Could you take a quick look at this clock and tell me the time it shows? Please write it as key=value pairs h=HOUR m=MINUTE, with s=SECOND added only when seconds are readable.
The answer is h=9 m=26
